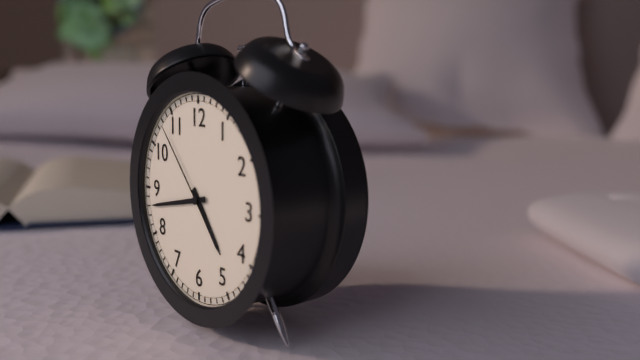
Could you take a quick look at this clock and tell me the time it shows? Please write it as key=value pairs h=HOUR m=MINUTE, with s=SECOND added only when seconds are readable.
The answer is h=4 m=43 s=53
